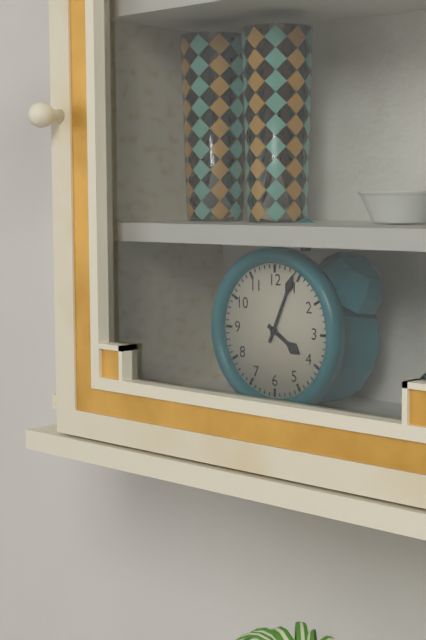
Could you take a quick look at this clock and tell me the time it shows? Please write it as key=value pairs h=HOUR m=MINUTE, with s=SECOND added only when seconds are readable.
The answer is h=4 m=4
